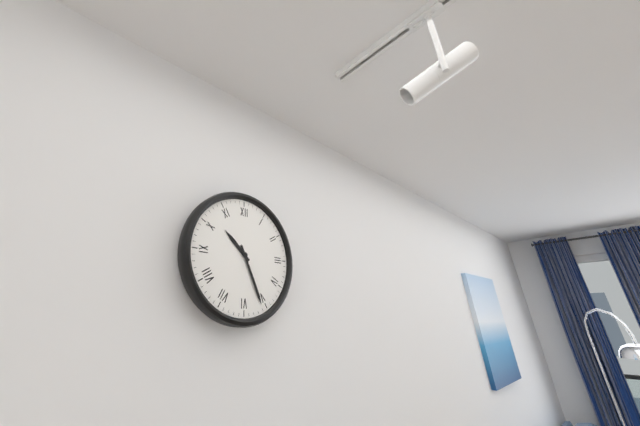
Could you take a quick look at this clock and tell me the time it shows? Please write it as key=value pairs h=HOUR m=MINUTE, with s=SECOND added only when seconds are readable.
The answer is h=10 m=26
